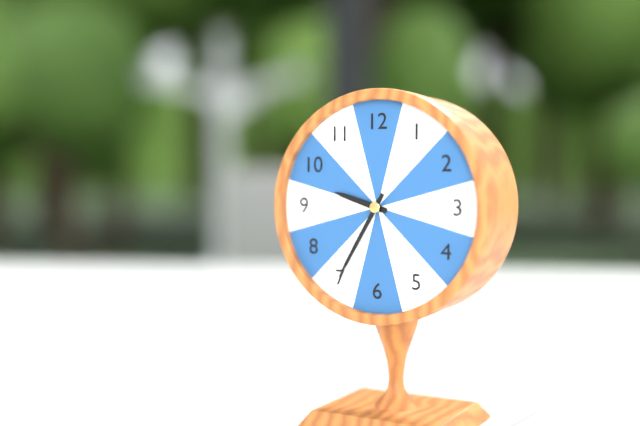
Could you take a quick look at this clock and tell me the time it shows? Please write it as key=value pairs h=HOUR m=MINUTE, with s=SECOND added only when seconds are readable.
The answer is h=9 m=35
